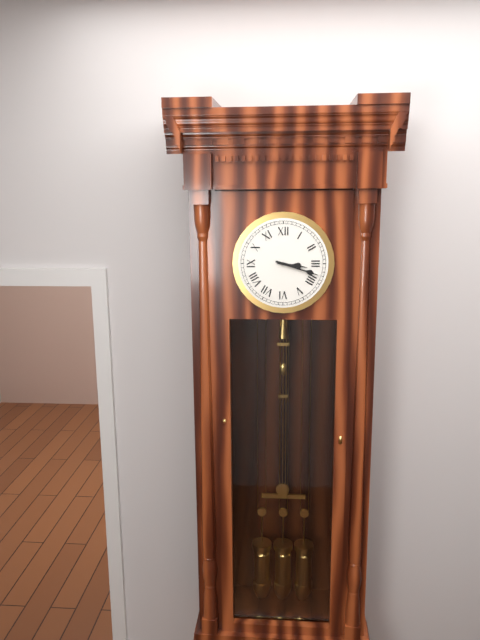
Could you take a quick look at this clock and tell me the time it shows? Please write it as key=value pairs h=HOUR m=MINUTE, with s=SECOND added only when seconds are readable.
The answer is h=3 m=18
